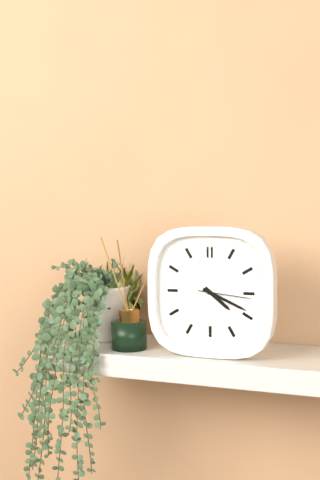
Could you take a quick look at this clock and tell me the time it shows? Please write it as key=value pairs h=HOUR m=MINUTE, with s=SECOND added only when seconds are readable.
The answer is h=4 m=19 s=16
